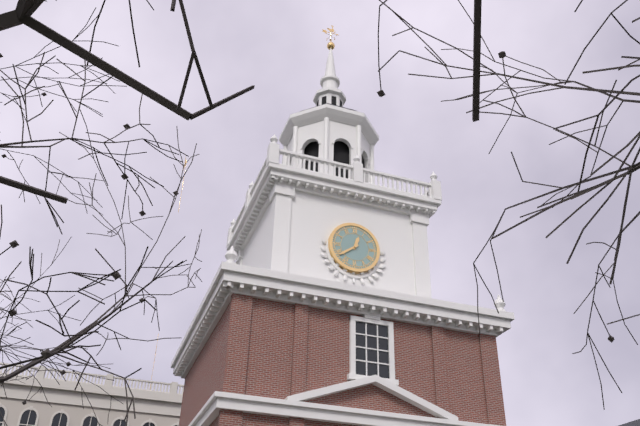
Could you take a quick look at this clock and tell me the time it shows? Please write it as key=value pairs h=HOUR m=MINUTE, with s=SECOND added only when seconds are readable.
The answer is h=12 m=39
